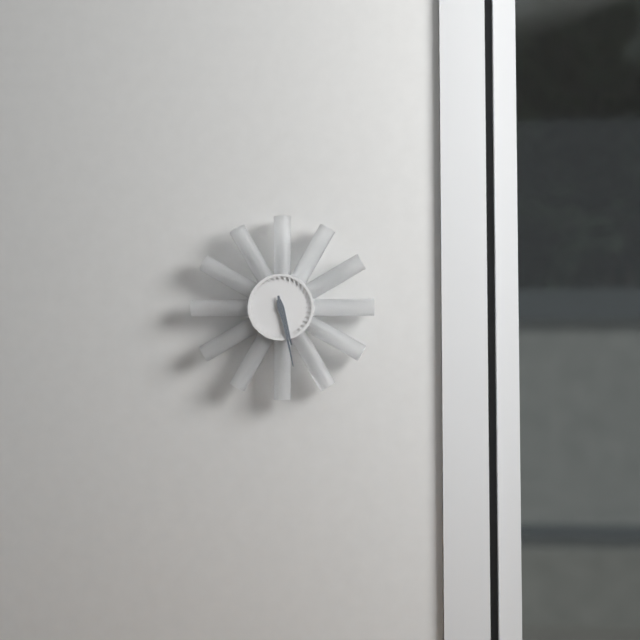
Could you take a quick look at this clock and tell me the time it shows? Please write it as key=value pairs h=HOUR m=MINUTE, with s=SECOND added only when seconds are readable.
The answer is h=5 m=28
